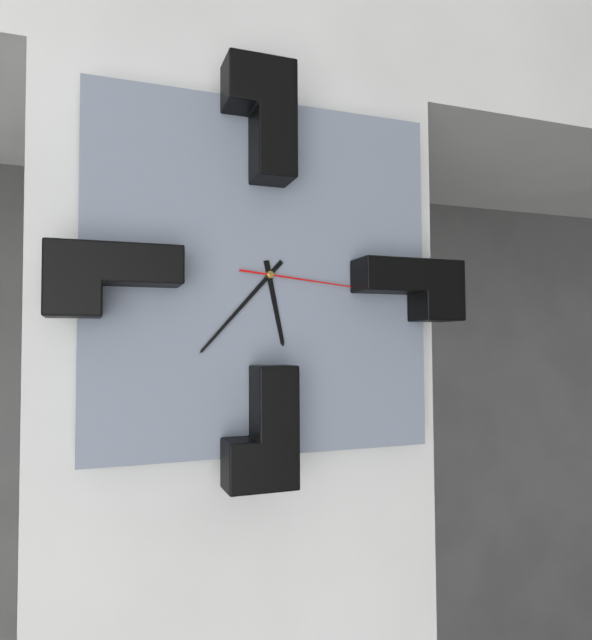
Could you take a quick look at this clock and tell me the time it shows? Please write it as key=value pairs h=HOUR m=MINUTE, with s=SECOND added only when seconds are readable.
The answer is h=5 m=37 s=16
